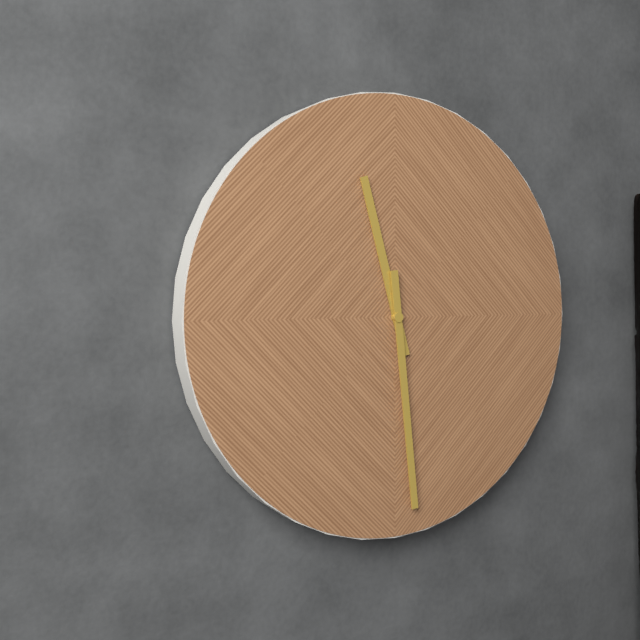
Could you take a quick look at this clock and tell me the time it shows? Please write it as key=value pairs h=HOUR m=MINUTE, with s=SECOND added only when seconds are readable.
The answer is h=11 m=29
